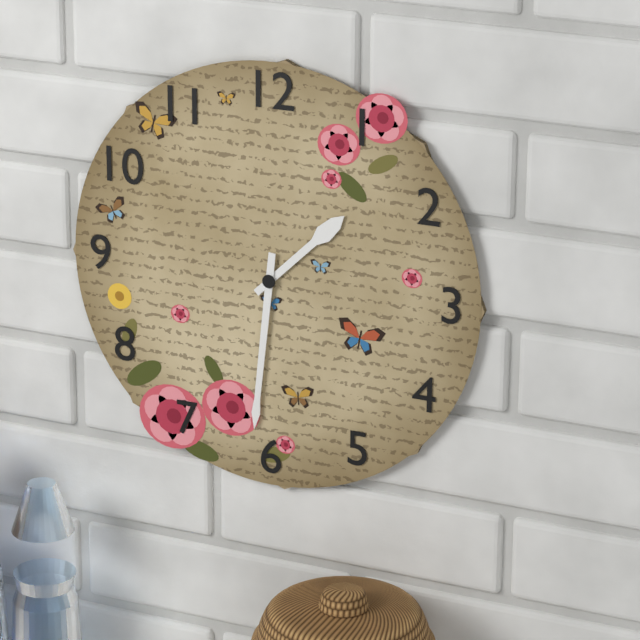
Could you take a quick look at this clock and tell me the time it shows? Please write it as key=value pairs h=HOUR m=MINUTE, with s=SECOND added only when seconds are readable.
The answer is h=1 m=31
